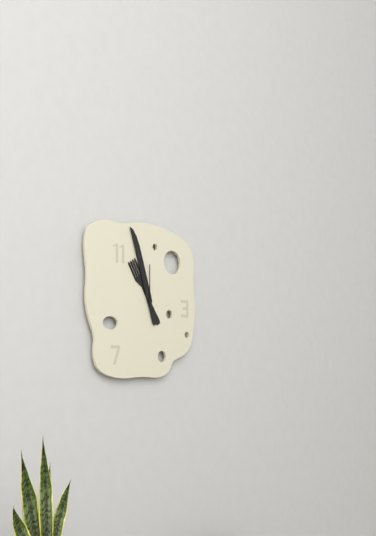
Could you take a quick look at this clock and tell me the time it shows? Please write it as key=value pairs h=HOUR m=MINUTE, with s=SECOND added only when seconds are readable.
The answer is h=10 m=57
